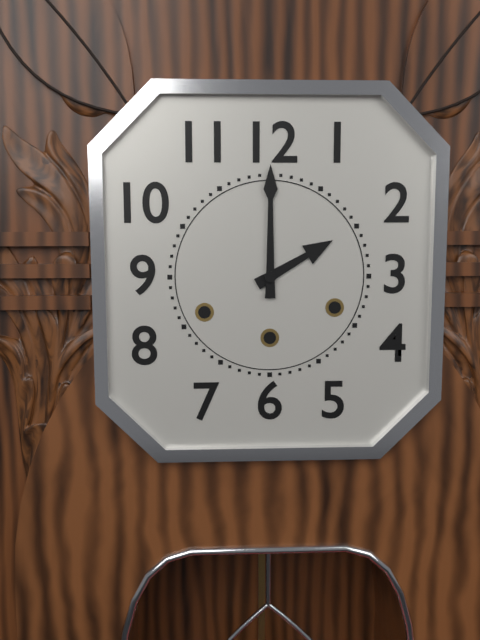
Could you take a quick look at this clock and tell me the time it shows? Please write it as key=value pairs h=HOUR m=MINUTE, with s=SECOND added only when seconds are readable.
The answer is h=2 m=0
